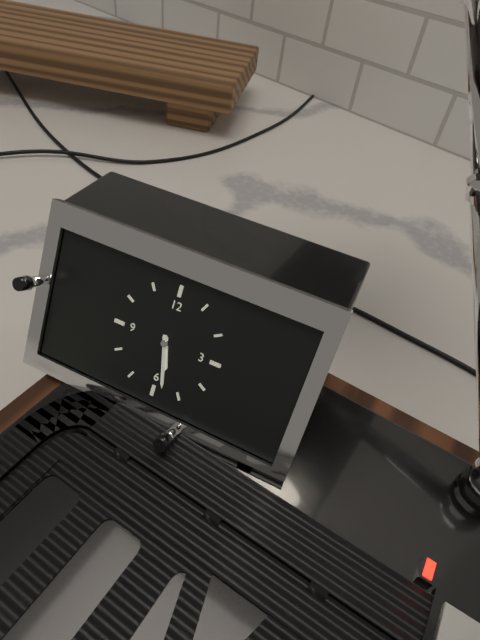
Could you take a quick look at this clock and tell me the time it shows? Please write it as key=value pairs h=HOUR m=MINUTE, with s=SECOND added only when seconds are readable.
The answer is h=5 m=28
